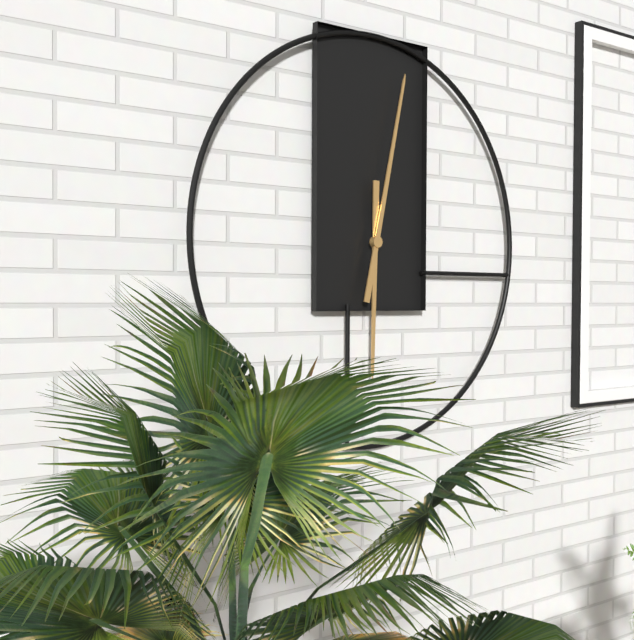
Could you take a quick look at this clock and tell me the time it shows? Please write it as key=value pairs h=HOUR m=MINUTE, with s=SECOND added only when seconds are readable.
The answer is h=6 m=2
